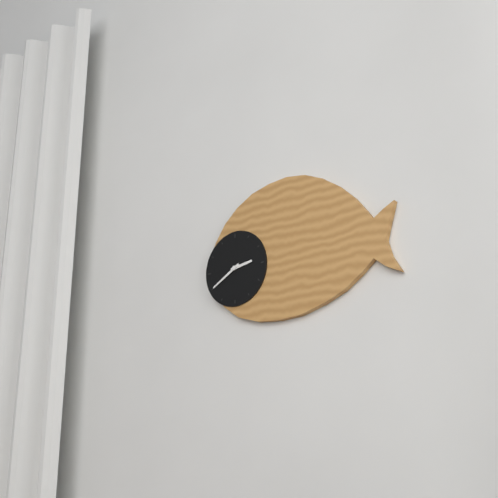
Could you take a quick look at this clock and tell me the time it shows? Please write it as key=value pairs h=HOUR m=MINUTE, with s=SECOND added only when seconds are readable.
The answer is h=2 m=40
